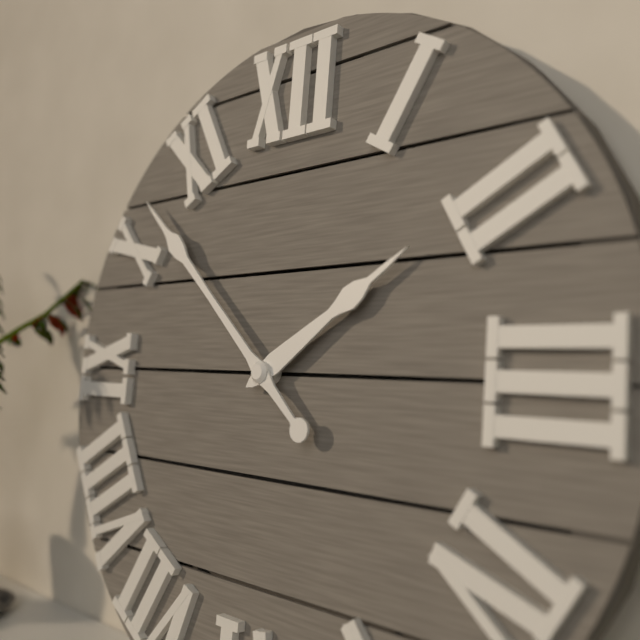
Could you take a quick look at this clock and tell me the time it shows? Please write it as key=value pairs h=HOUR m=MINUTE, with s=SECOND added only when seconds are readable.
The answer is h=1 m=52
